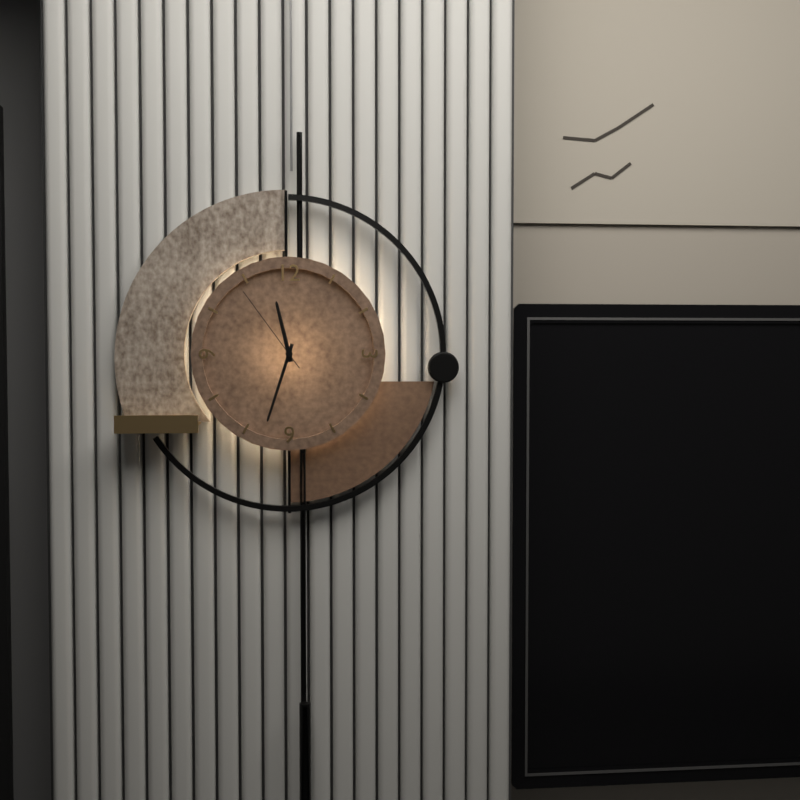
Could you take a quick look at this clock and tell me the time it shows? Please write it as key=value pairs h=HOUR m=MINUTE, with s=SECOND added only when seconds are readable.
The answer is h=11 m=33 s=54
